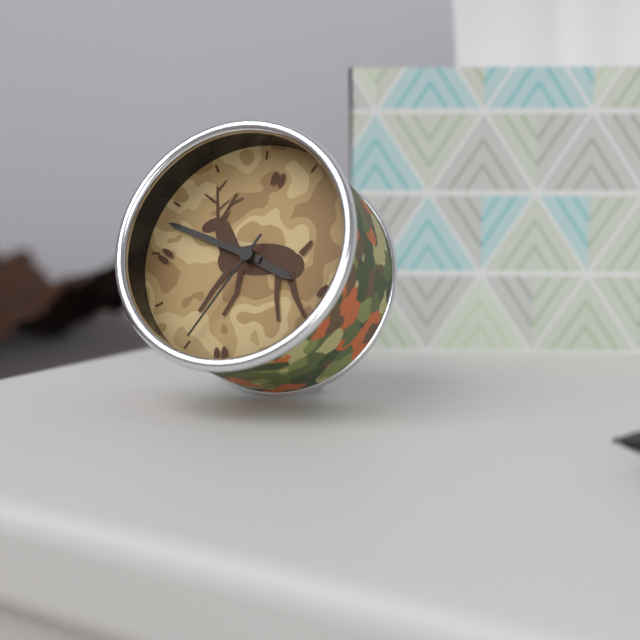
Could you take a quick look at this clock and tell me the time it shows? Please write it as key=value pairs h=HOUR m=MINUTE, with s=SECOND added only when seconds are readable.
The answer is h=3 m=48 s=35
